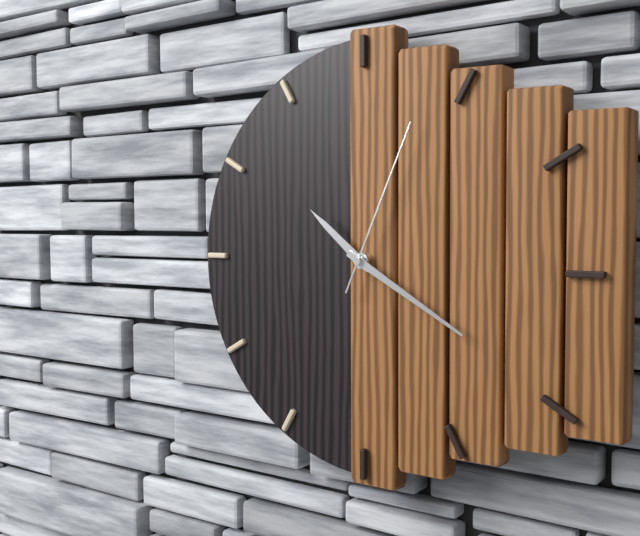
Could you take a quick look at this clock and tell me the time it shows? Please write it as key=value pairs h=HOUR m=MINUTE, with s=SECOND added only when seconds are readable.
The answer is h=10 m=20 s=4
